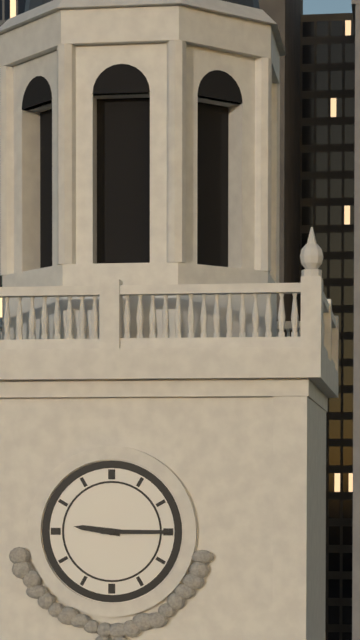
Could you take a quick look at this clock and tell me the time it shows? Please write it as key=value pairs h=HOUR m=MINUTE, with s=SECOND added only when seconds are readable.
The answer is h=9 m=15
